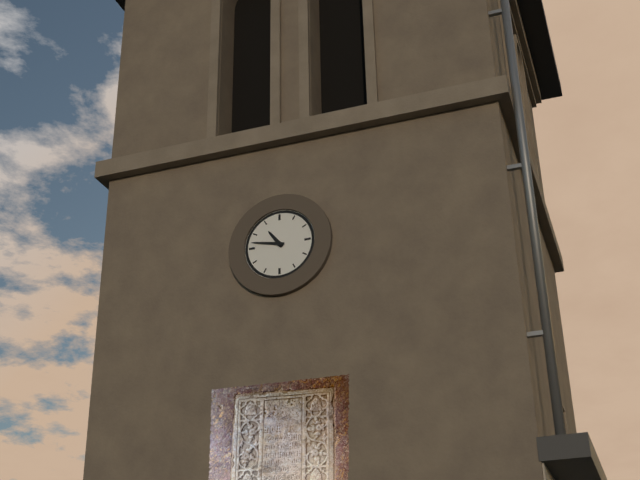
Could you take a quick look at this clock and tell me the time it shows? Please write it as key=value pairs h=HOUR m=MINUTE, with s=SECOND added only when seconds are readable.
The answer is h=10 m=47
